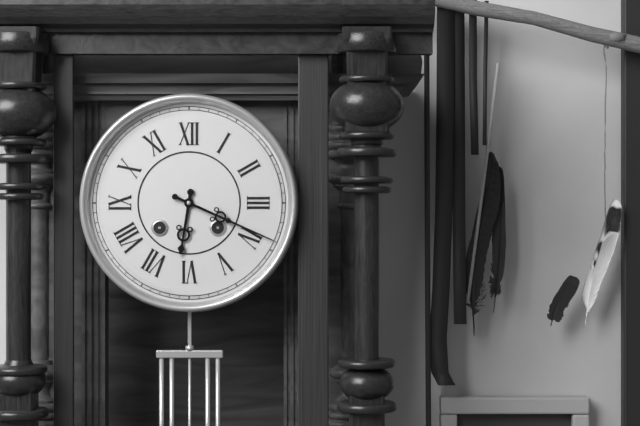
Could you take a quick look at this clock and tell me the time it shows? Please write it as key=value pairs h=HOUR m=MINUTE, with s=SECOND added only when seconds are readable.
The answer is h=6 m=19
